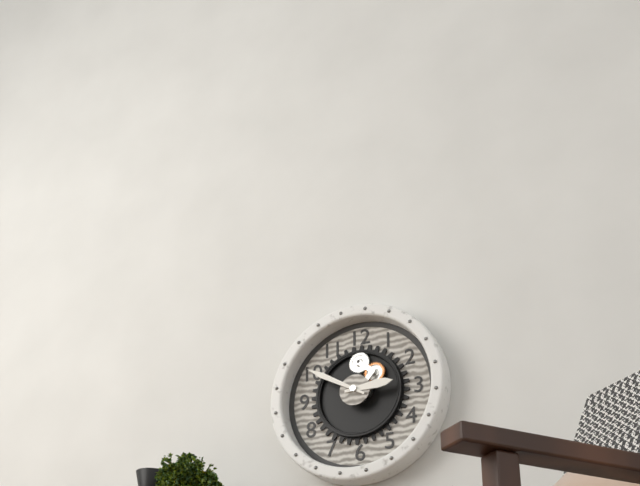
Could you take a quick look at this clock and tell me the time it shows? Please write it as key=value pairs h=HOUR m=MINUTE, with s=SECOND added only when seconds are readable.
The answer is h=2 m=50
